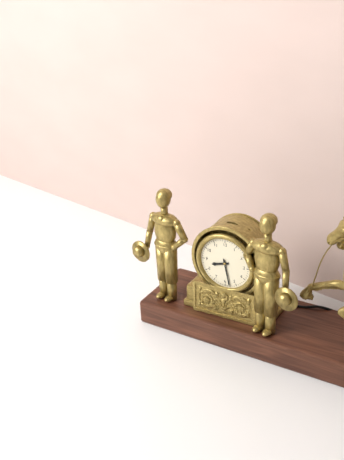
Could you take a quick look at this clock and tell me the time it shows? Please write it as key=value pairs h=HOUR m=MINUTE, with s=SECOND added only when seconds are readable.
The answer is h=8 m=28
